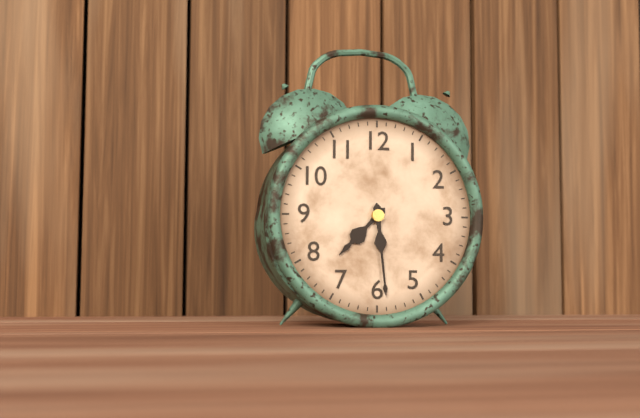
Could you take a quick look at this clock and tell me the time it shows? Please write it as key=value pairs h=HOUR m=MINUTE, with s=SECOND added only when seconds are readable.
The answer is h=7 m=29
